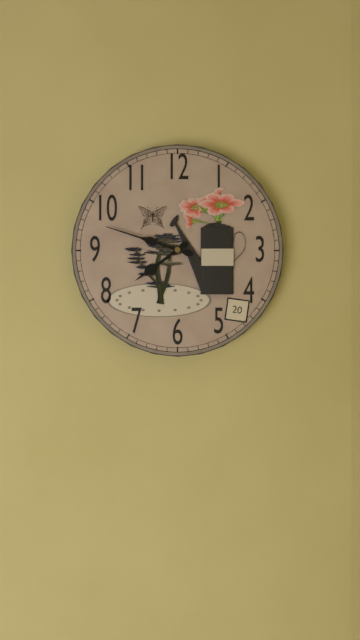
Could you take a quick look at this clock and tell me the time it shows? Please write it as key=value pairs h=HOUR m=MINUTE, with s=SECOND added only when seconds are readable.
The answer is h=7 m=48
